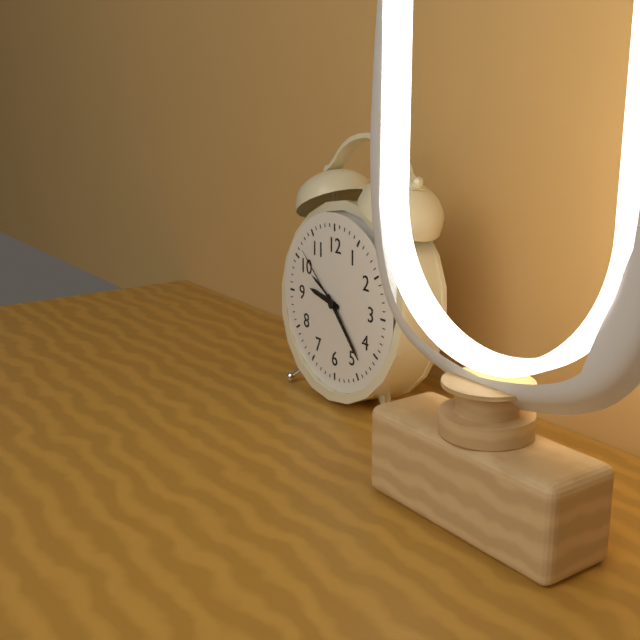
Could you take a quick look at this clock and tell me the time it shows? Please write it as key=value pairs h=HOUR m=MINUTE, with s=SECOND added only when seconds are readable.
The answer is h=9 m=23 s=52
